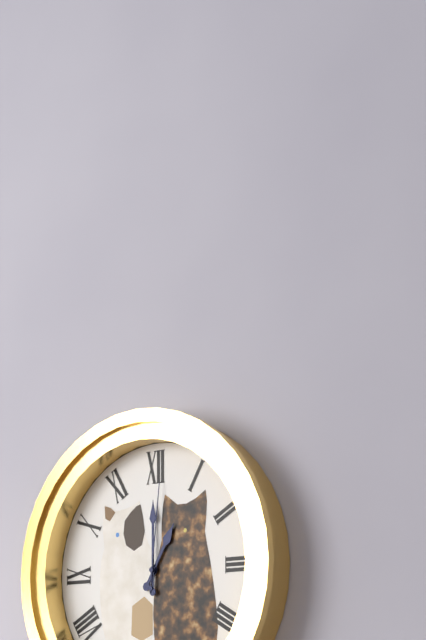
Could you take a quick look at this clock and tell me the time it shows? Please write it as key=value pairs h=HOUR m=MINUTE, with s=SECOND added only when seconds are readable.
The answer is h=1 m=0 s=1
